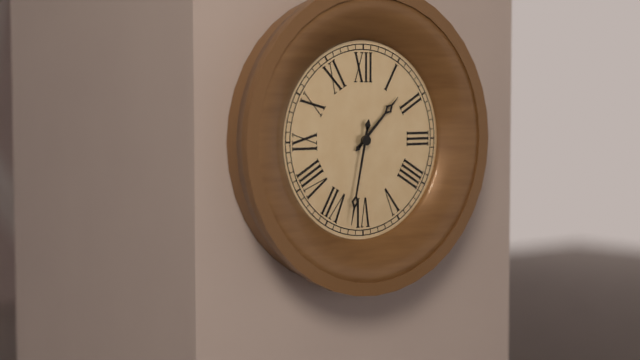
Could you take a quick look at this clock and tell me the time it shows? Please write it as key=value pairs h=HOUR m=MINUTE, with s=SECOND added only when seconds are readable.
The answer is h=1 m=32
